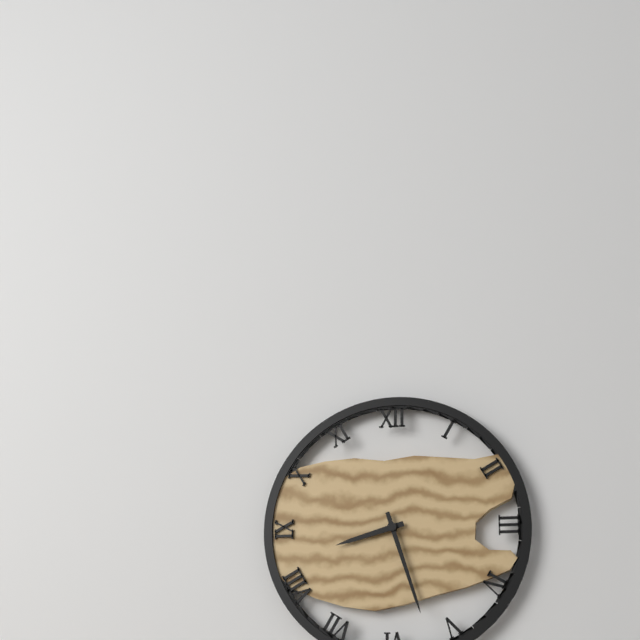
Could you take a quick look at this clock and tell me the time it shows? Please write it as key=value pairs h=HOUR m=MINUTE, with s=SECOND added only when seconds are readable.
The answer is h=8 m=27
